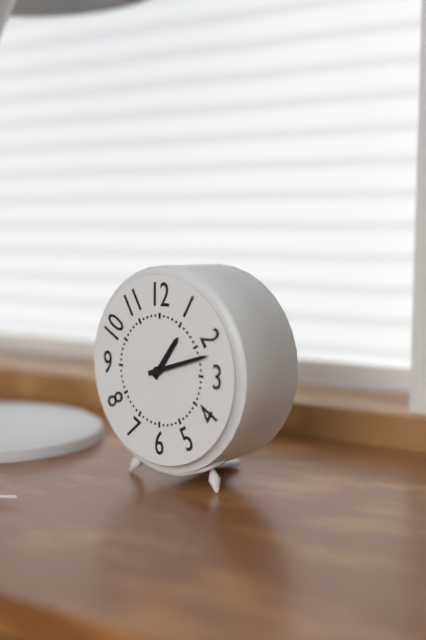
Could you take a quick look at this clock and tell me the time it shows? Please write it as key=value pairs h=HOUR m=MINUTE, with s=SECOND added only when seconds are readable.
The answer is h=1 m=12
